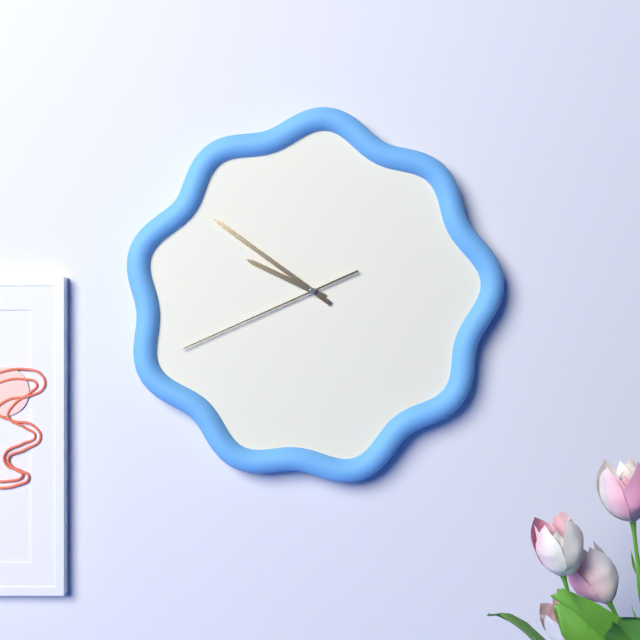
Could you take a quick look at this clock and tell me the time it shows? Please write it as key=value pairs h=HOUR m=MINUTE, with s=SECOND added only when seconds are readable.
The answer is h=9 m=51 s=41
